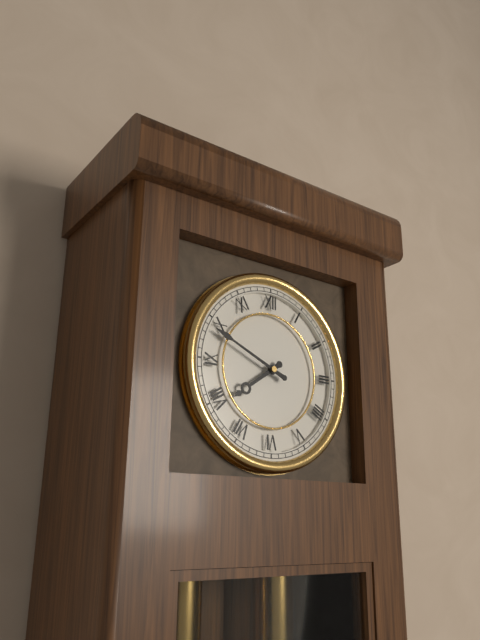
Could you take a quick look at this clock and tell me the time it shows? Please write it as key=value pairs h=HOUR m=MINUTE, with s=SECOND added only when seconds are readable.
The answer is h=7 m=49
